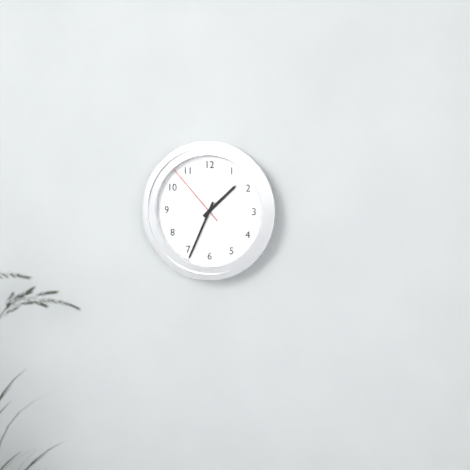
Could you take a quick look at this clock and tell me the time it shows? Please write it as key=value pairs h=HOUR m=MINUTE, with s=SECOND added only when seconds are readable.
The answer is h=1 m=34 s=53
